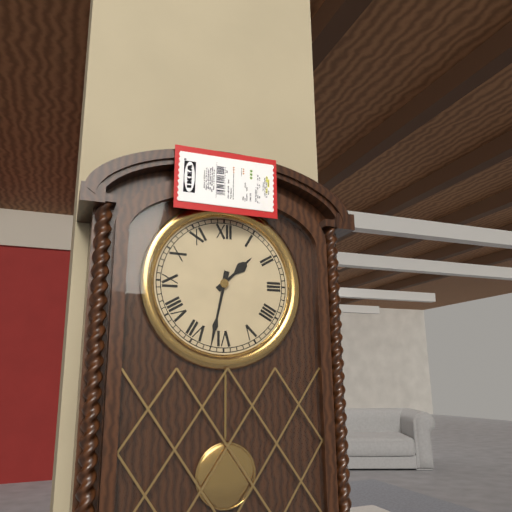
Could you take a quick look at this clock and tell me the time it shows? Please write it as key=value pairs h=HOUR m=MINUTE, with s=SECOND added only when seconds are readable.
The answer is h=1 m=32
